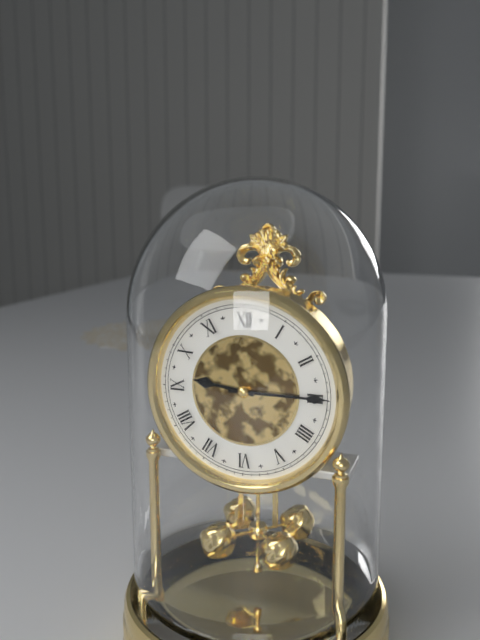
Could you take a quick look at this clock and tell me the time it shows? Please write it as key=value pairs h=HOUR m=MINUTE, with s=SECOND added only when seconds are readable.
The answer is h=9 m=15
